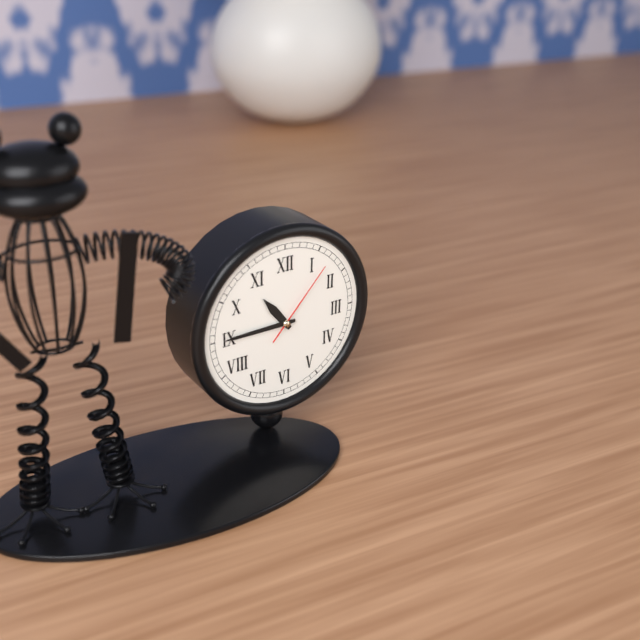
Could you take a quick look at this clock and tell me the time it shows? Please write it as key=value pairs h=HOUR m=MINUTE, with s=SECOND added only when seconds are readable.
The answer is h=10 m=45 s=7
